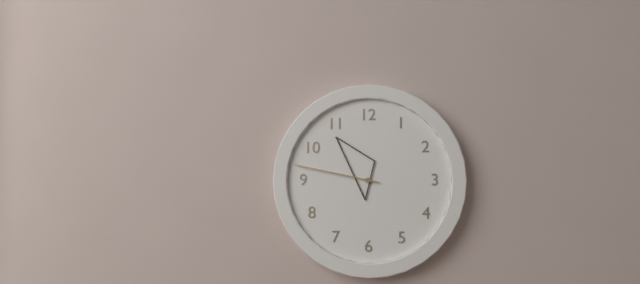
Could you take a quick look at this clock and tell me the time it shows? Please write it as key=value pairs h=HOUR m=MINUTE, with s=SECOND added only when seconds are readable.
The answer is h=10 m=47
